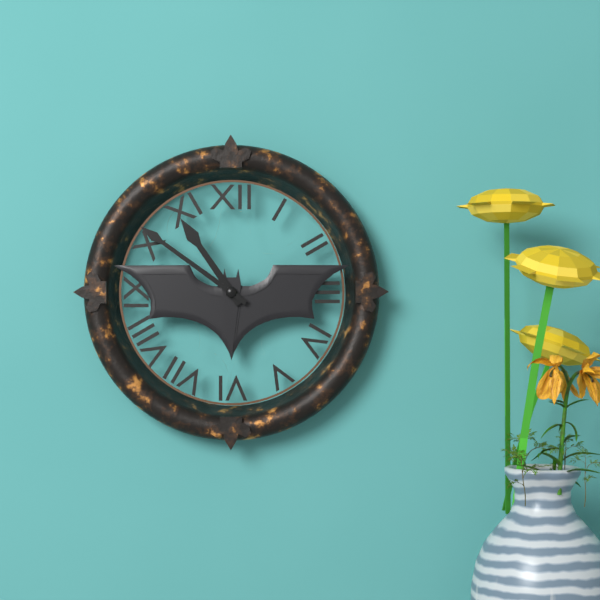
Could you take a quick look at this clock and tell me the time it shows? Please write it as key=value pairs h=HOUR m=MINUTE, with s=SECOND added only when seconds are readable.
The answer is h=10 m=51
